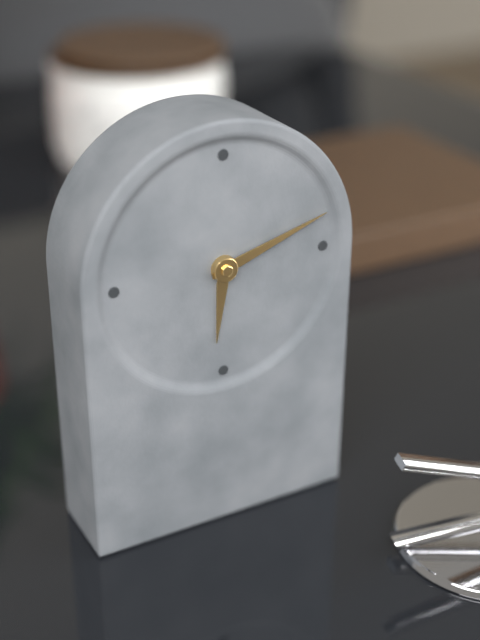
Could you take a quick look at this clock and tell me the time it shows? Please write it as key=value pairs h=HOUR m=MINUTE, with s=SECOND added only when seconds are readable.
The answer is h=6 m=12
